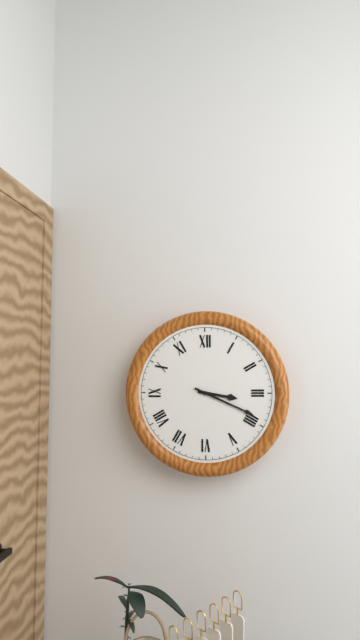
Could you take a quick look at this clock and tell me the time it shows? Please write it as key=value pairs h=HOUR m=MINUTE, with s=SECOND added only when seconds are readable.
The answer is h=3 m=19
